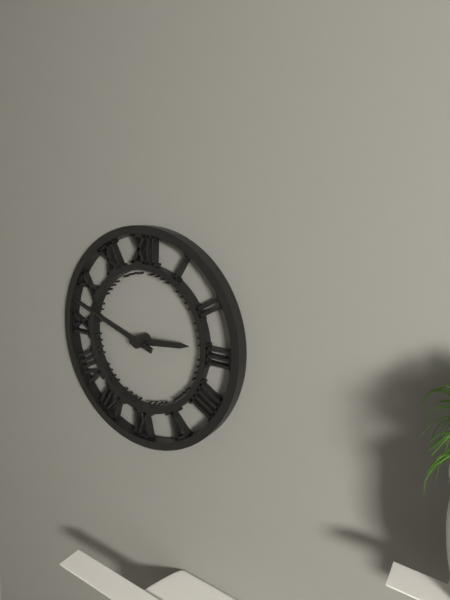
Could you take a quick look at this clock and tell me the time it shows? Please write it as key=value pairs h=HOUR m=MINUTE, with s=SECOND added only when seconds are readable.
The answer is h=2 m=48
